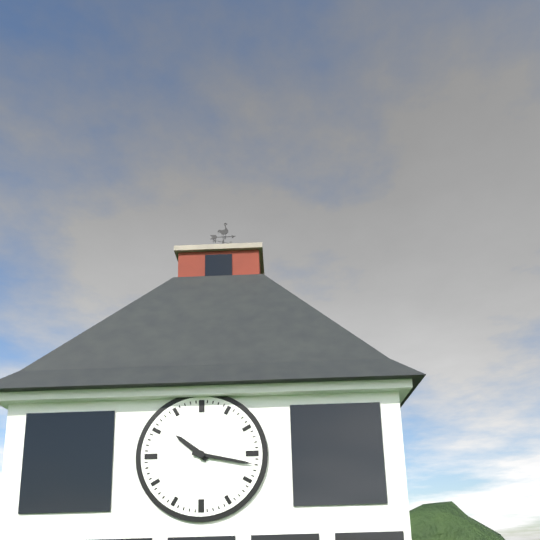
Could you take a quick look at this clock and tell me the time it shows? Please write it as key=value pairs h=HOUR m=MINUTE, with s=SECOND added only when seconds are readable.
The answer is h=10 m=17
